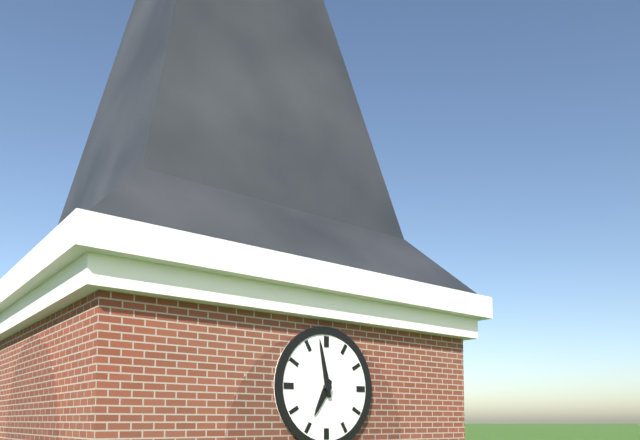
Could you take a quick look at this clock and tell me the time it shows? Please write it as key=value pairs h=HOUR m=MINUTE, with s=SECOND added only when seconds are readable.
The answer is h=6 m=58
